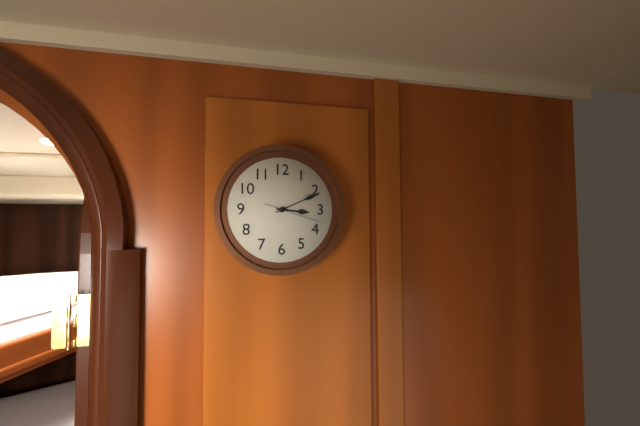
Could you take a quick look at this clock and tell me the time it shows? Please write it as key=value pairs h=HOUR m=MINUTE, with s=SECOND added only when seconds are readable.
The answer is h=3 m=11 s=18
